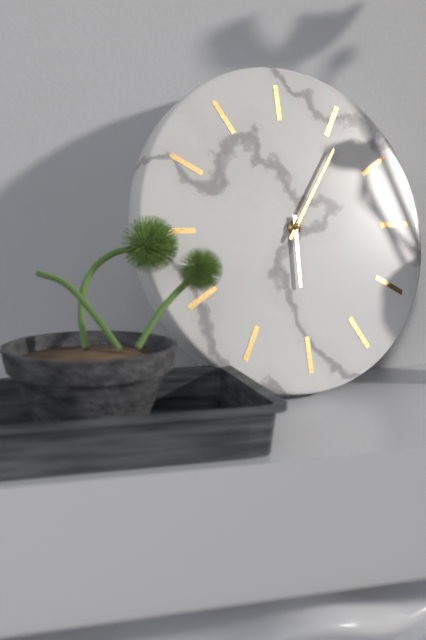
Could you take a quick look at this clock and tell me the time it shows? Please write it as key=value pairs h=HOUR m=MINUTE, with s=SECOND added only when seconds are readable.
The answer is h=6 m=6
